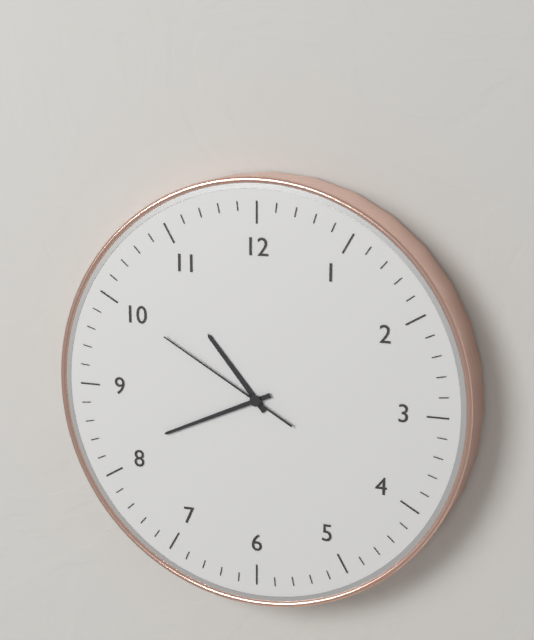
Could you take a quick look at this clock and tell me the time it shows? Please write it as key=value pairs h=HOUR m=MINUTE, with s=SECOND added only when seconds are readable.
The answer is h=10 m=41 s=50
